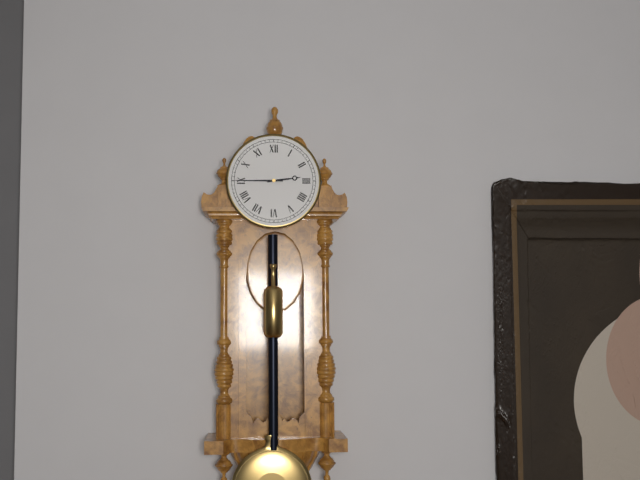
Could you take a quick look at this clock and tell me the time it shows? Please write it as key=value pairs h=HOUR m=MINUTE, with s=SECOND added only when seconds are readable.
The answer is h=2 m=45
